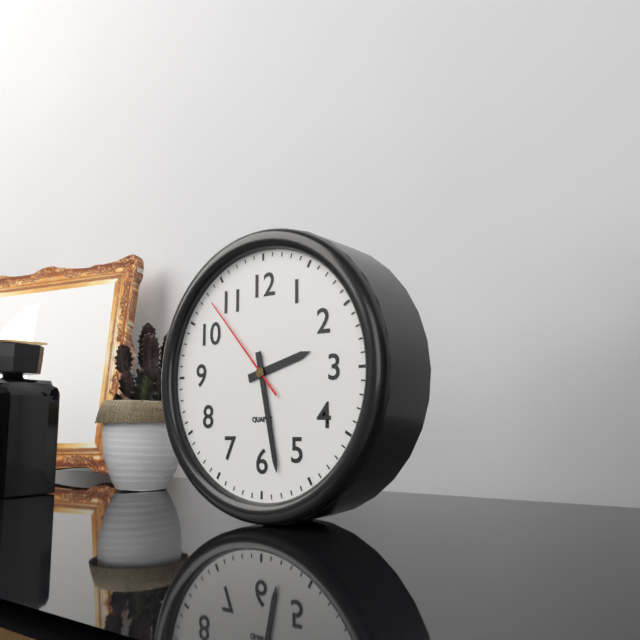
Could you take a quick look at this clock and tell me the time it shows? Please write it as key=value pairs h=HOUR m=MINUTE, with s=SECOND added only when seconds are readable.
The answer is h=2 m=28 s=53
